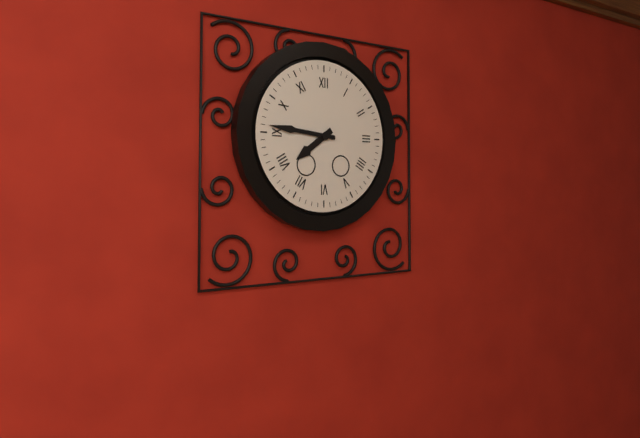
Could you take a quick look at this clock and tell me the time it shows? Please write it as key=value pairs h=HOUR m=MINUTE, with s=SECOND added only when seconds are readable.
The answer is h=7 m=46
